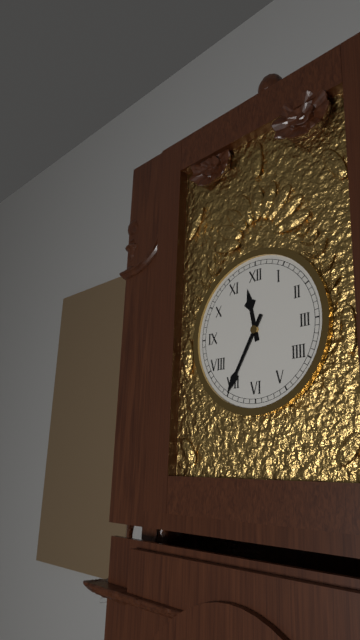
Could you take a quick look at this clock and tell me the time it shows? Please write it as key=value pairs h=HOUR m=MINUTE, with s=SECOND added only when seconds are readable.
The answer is h=11 m=35
